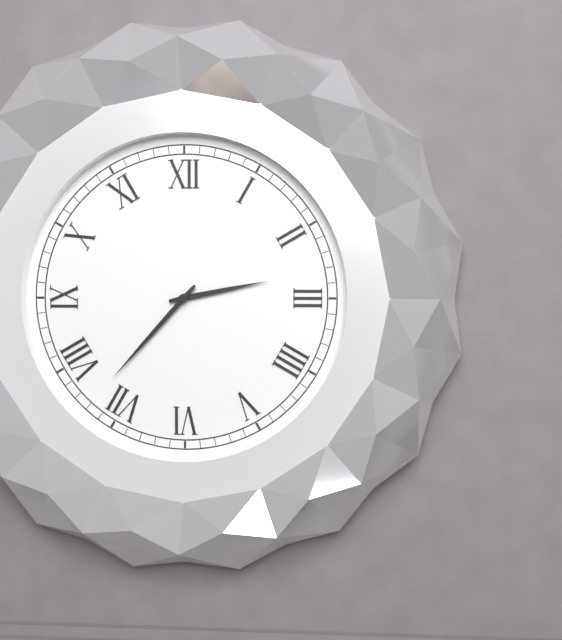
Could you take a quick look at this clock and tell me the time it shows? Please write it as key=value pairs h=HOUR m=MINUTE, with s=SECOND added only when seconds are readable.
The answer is h=2 m=37
